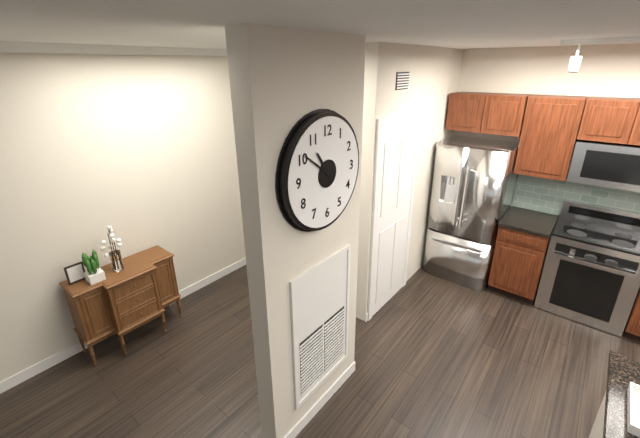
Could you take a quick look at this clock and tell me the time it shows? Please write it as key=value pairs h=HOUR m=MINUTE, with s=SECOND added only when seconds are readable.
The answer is h=10 m=51
